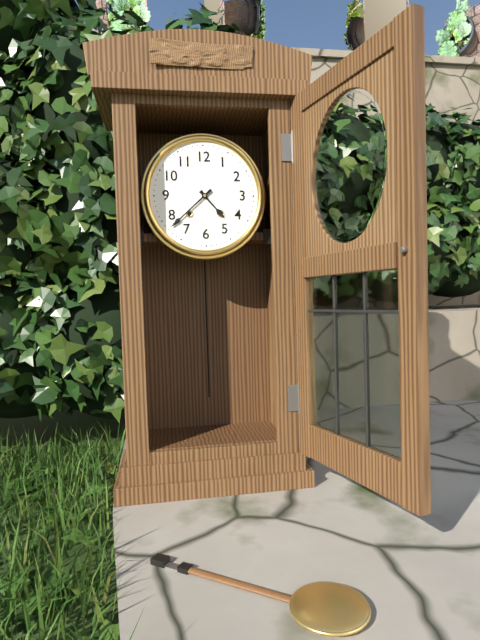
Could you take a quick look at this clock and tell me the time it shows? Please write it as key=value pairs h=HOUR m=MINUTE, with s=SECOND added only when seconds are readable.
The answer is h=4 m=38
